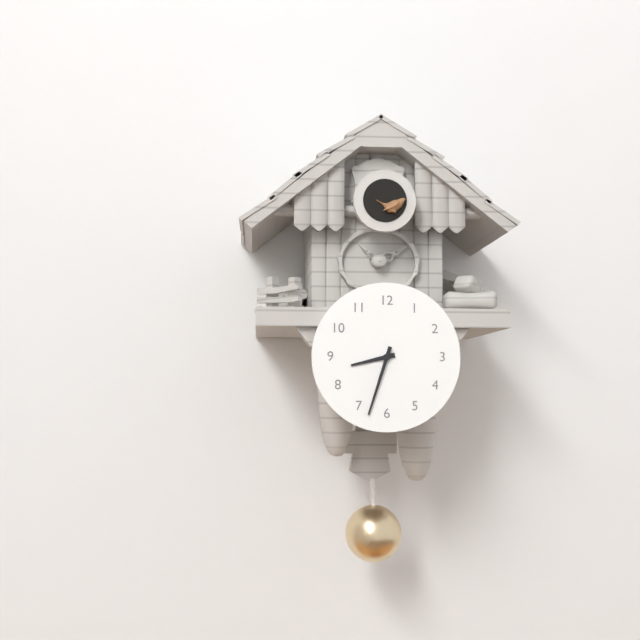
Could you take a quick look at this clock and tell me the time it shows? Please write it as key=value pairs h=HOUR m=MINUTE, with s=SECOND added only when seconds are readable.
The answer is h=8 m=33
